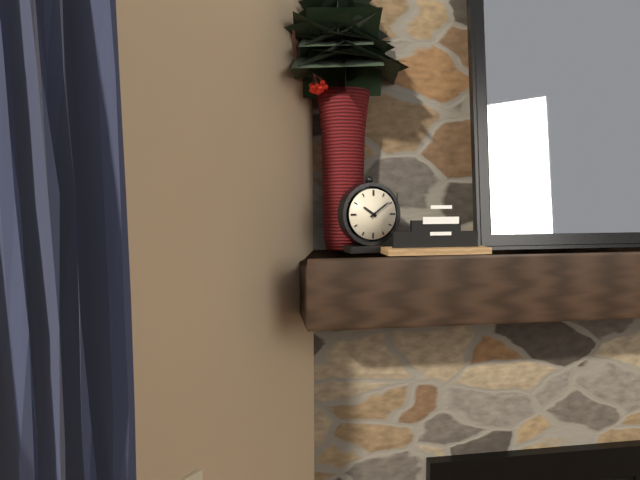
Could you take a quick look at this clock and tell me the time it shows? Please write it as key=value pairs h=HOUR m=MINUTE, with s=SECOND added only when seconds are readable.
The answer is h=10 m=9
